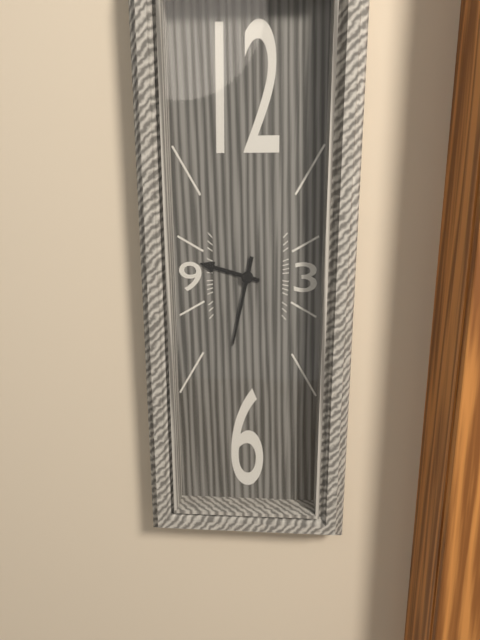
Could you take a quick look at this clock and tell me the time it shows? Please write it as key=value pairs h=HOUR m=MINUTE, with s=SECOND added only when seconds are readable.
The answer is h=9 m=32
